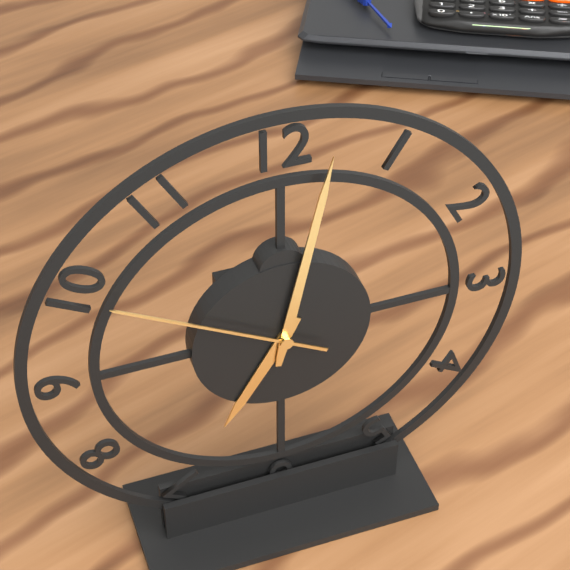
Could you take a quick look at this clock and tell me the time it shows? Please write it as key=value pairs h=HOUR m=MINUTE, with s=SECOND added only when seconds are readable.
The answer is h=7 m=2 s=50
